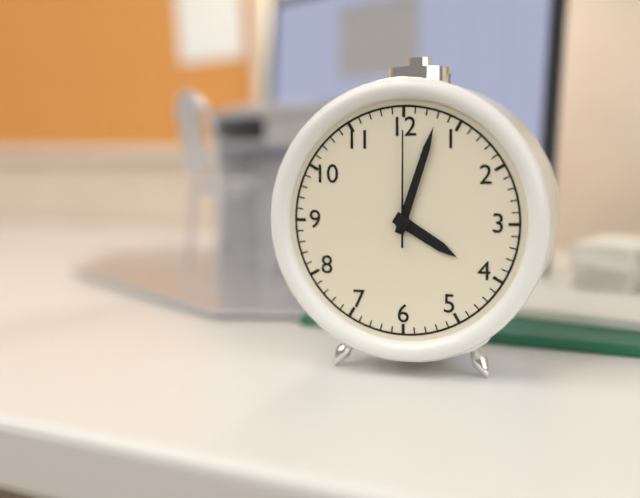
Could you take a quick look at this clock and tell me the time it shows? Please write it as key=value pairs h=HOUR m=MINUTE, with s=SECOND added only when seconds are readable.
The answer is h=4 m=3 s=0
